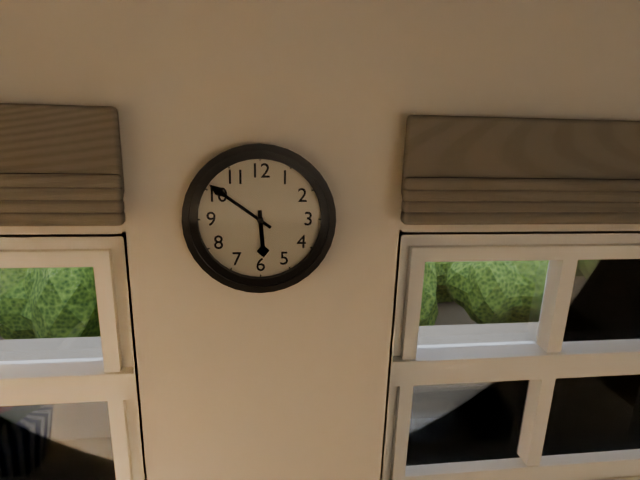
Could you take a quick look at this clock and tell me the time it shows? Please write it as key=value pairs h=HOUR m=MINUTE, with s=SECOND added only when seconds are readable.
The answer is h=5 m=51
